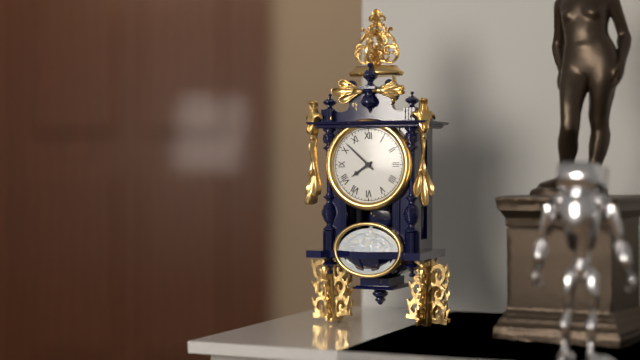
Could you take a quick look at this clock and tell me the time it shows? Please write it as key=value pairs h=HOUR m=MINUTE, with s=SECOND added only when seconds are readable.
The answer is h=7 m=52
